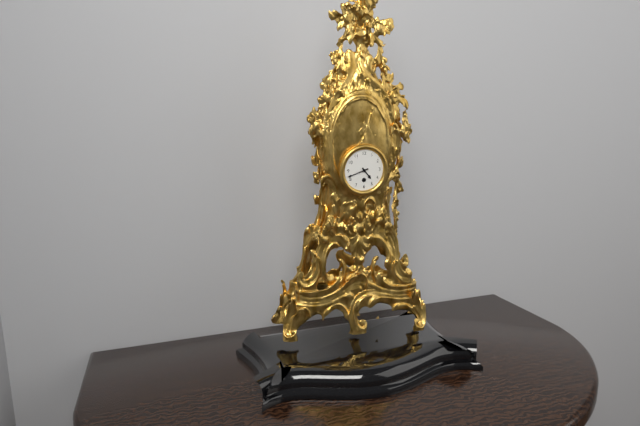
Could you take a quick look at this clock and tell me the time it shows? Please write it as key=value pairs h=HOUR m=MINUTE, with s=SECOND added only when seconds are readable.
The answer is h=4 m=42
